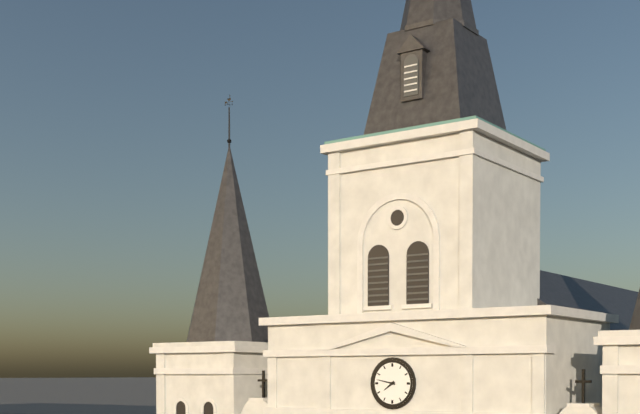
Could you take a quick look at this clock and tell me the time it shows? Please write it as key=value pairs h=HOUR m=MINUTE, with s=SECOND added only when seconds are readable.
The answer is h=7 m=47
